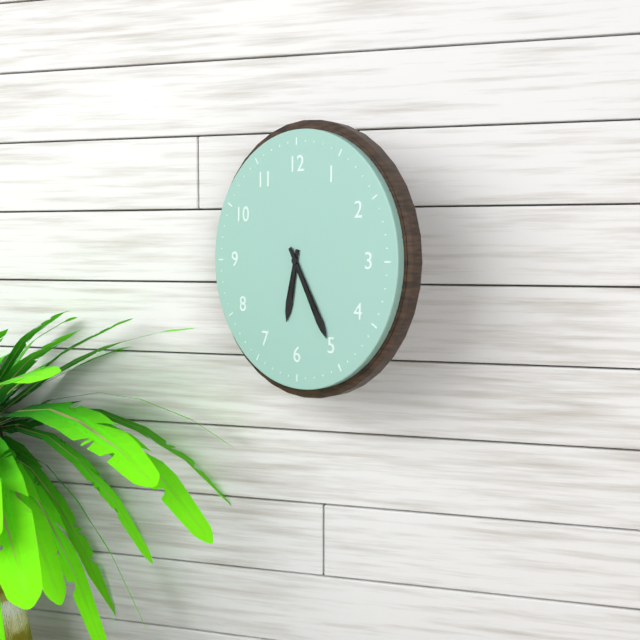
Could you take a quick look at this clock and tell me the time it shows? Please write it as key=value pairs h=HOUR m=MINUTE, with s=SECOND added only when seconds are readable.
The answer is h=6 m=25
